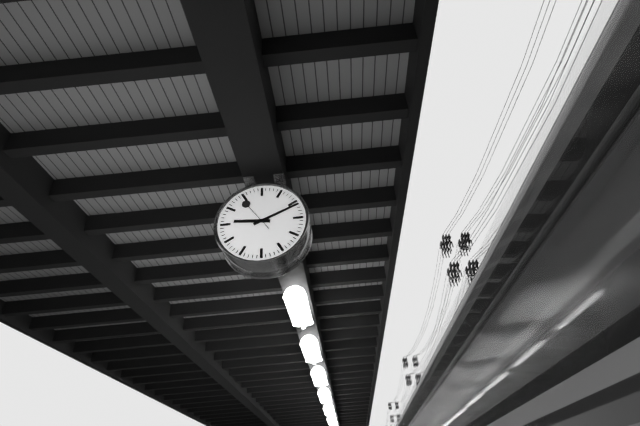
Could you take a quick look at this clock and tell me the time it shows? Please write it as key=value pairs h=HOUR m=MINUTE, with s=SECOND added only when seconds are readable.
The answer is h=9 m=11
